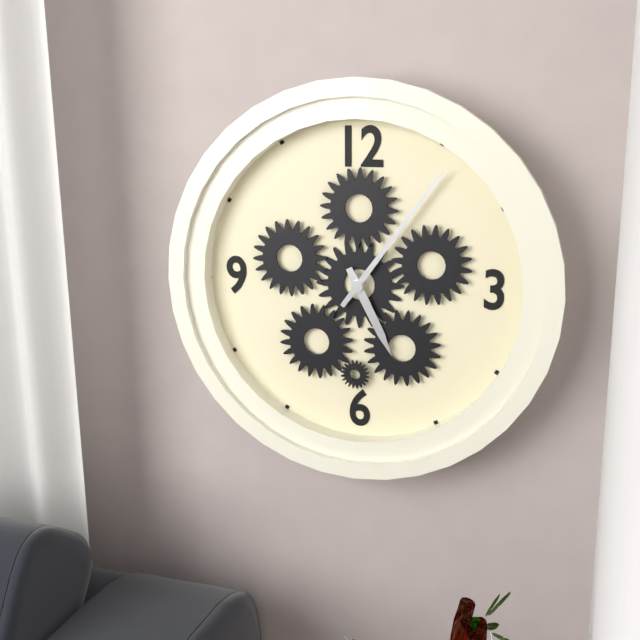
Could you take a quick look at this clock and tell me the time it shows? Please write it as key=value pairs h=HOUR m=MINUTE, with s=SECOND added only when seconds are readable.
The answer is h=5 m=6
